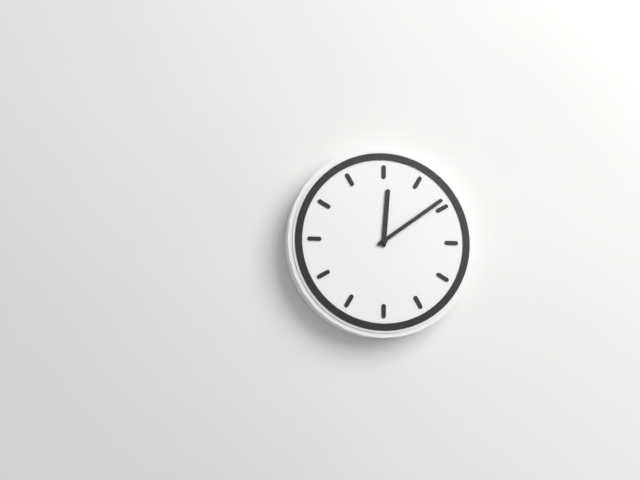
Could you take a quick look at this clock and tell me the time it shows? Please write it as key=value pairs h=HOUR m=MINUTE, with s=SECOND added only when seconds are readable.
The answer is h=12 m=9
